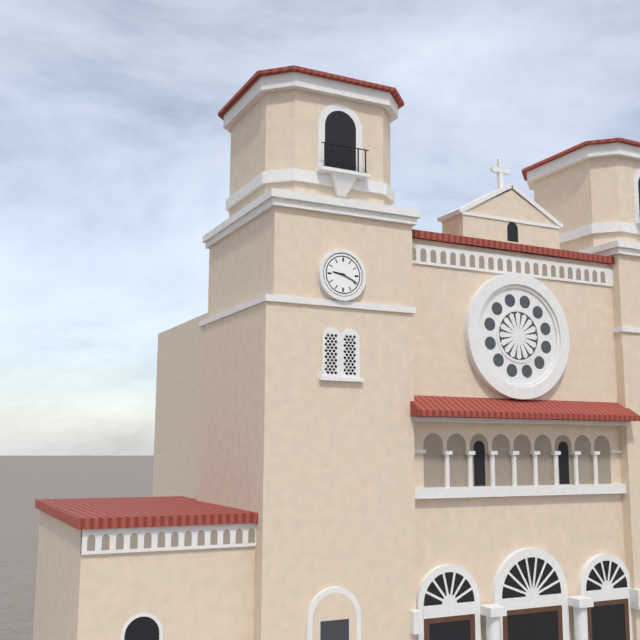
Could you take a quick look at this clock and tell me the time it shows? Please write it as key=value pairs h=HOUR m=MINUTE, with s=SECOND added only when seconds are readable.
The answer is h=9 m=19
